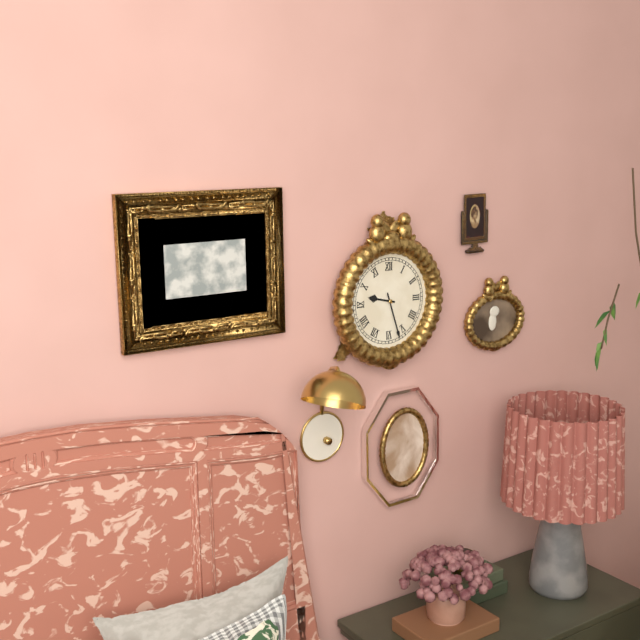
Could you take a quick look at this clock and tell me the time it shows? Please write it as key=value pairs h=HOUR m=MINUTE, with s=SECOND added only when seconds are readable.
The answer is h=9 m=27
